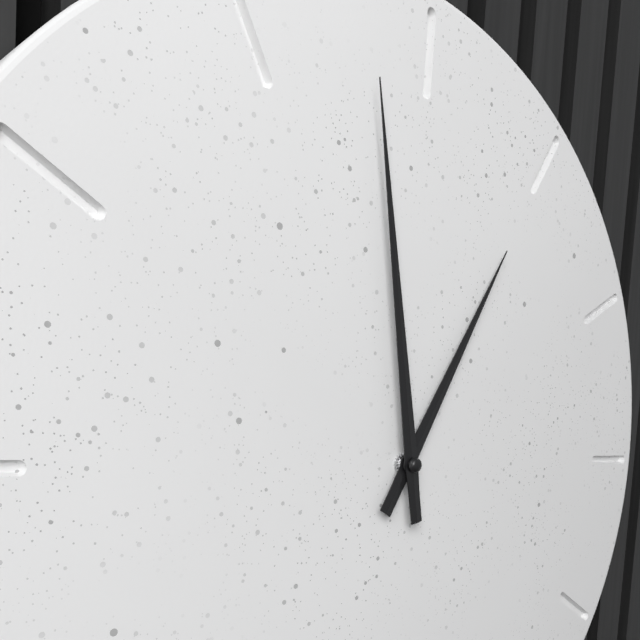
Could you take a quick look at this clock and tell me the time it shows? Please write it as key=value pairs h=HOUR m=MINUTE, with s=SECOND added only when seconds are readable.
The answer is h=12 m=58
